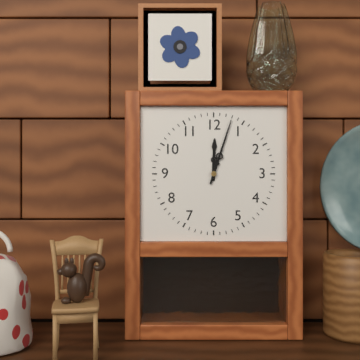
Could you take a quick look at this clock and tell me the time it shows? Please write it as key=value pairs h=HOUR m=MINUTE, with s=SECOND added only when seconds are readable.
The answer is h=12 m=3
